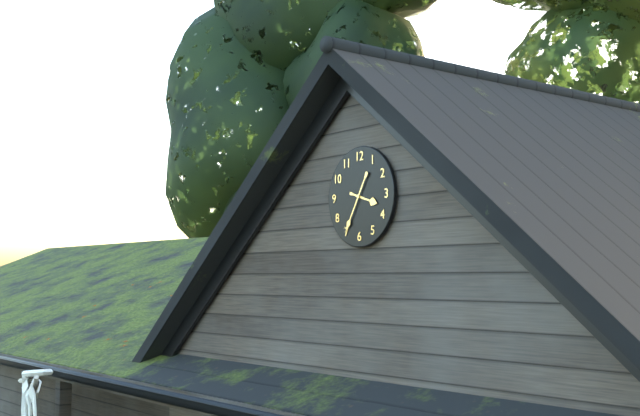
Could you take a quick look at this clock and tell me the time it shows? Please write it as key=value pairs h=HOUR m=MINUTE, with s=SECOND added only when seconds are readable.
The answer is h=3 m=35
